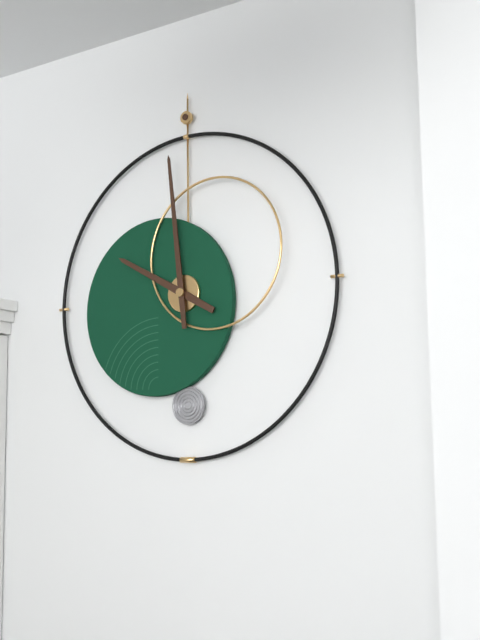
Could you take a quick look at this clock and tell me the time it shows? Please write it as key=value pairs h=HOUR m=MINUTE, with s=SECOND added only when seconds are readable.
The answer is h=9 m=59
